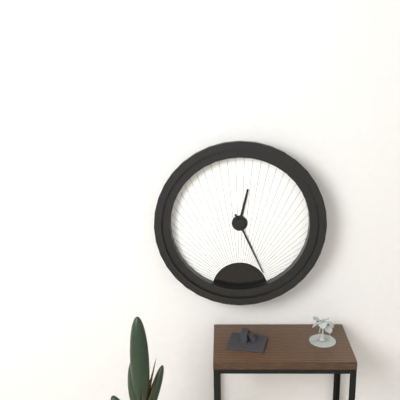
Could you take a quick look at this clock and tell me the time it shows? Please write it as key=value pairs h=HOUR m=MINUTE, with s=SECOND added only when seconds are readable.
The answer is h=12 m=26
